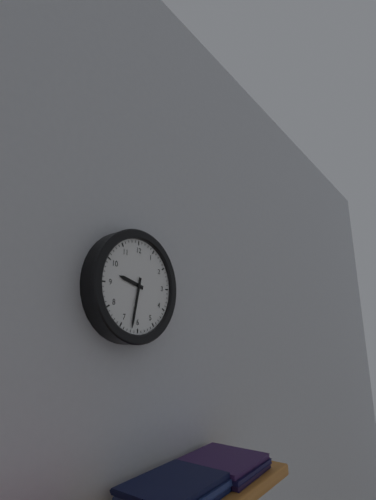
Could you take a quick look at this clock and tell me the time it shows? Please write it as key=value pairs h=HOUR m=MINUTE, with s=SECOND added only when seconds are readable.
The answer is h=9 m=32
